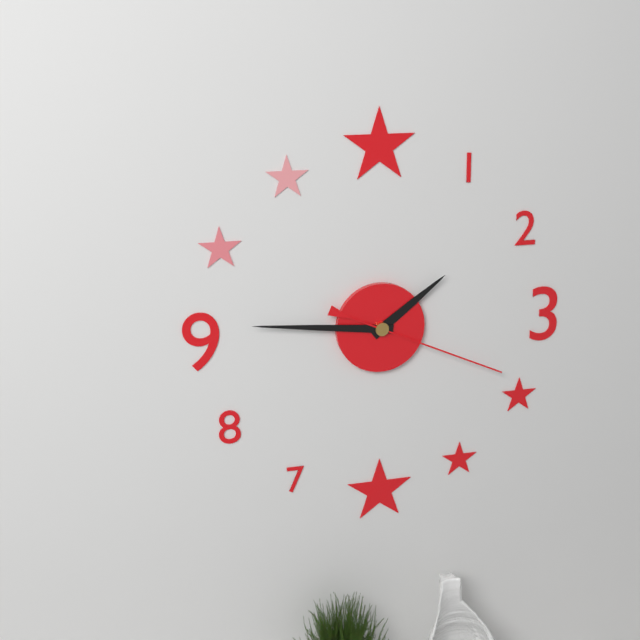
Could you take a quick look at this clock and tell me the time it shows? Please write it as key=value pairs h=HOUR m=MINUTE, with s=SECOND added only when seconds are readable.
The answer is h=1 m=46 s=19
